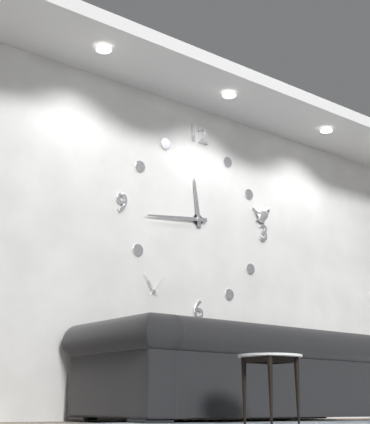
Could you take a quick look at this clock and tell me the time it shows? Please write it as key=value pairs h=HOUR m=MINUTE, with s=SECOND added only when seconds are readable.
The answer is h=11 m=44
